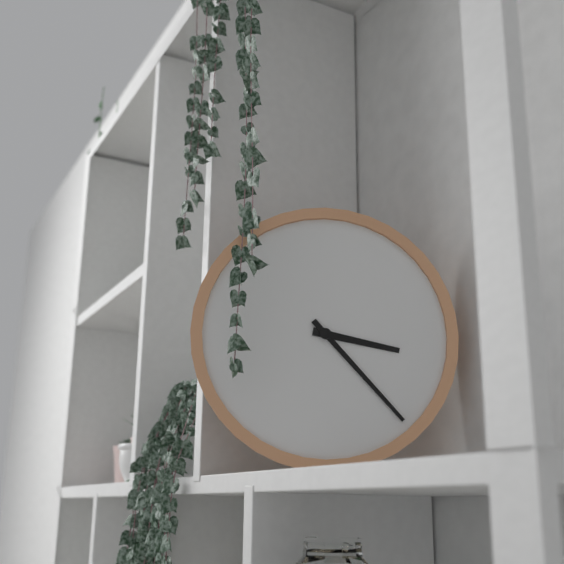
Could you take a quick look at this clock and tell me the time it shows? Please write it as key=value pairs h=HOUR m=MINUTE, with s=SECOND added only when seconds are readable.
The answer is h=3 m=23
